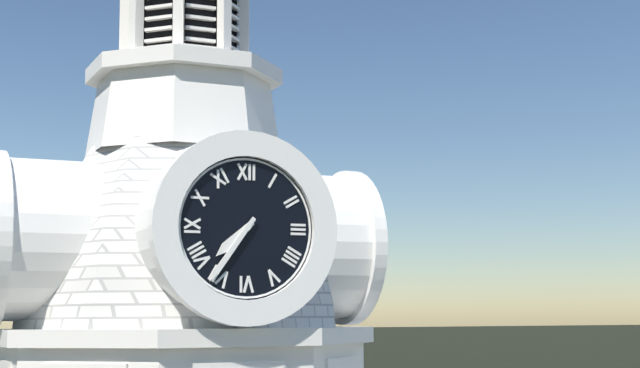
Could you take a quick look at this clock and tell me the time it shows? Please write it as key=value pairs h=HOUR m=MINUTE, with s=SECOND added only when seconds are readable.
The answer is h=7 m=36
